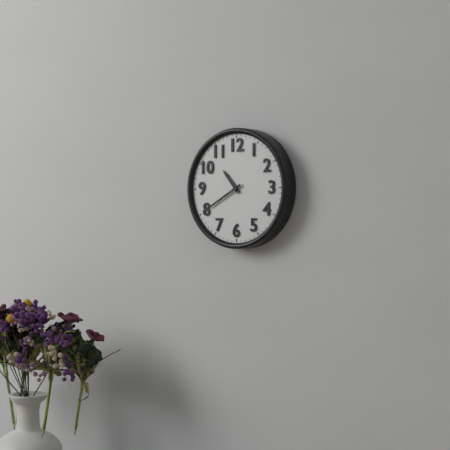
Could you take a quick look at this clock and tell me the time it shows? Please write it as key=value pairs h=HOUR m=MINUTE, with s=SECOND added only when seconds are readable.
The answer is h=10 m=40
